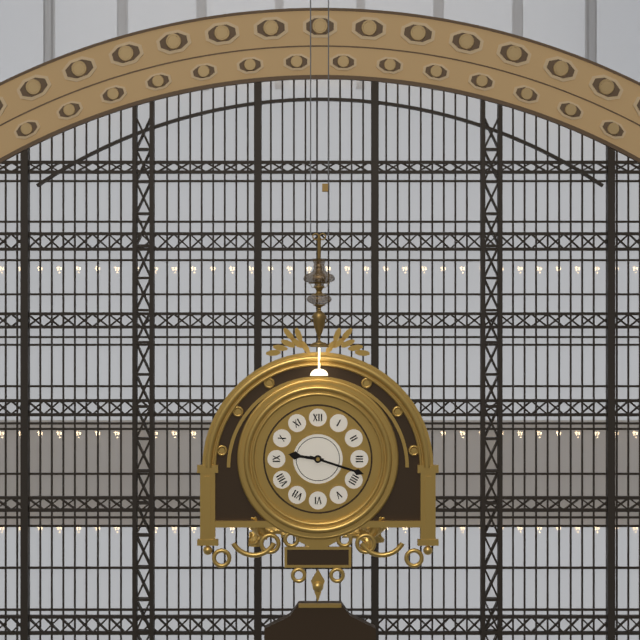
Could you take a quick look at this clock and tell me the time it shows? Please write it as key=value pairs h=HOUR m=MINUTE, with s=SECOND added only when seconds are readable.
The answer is h=9 m=18
